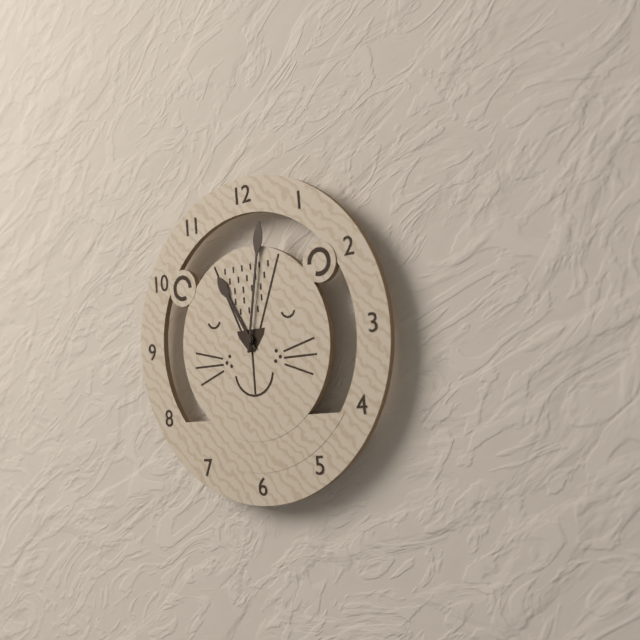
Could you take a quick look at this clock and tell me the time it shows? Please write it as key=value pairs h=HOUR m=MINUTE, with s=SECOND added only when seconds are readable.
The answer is h=11 m=2
